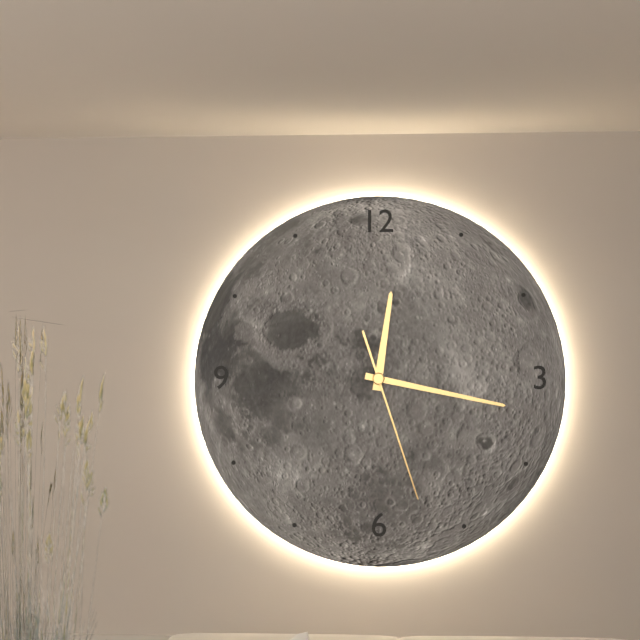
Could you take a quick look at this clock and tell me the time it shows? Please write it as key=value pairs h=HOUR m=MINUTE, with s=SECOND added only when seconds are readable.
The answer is h=12 m=17 s=27
